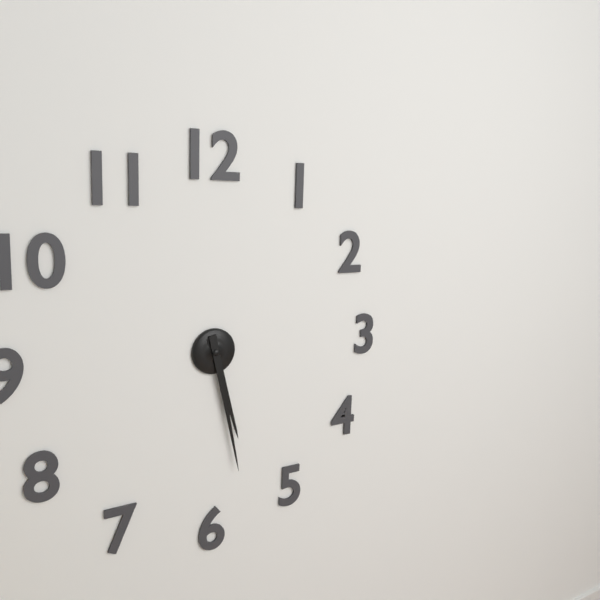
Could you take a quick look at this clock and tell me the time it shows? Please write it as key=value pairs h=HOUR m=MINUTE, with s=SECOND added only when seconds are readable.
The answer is h=5 m=28
